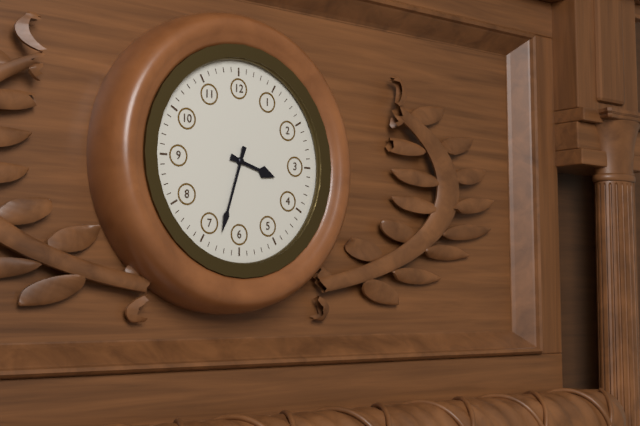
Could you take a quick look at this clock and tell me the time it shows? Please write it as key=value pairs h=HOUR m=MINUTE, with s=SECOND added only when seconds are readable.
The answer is h=3 m=33
